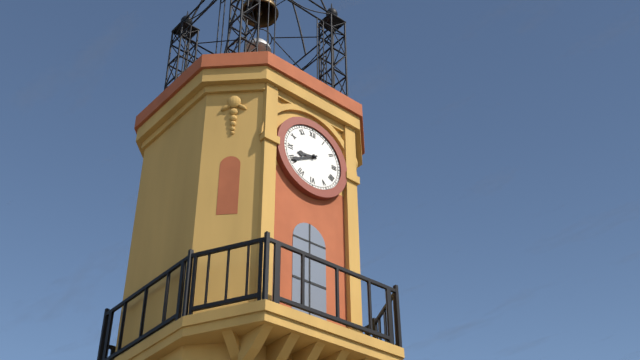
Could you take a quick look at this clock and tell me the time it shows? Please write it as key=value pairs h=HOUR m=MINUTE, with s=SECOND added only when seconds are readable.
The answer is h=8 m=40
